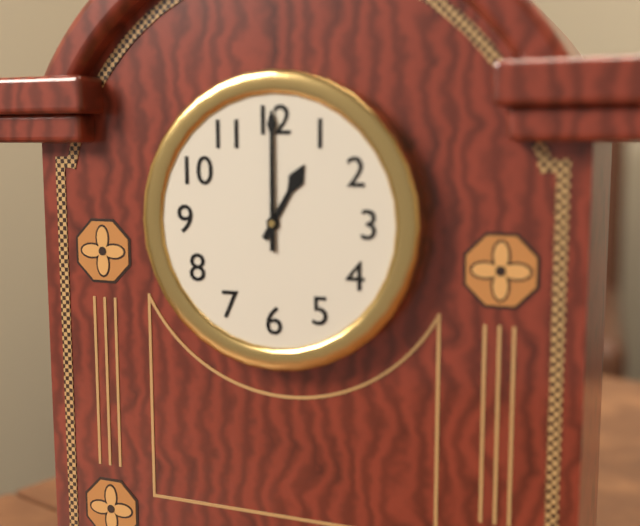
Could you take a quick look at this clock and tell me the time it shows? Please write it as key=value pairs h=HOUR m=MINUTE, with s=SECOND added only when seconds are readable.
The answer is h=1 m=0
